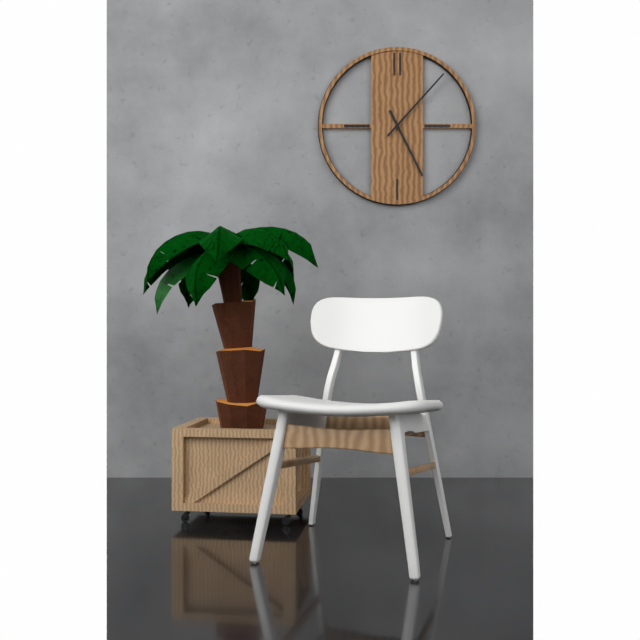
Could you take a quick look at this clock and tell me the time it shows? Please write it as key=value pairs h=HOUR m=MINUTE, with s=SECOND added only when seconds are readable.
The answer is h=5 m=7
